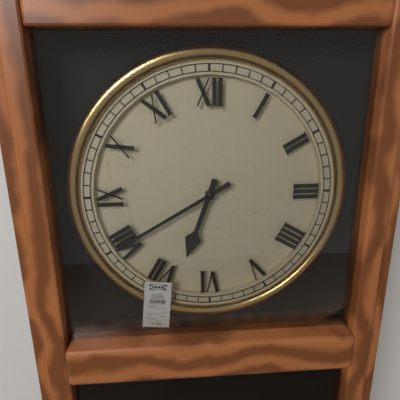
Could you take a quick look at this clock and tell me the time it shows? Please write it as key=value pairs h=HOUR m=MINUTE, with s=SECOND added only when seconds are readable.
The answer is h=6 m=40
